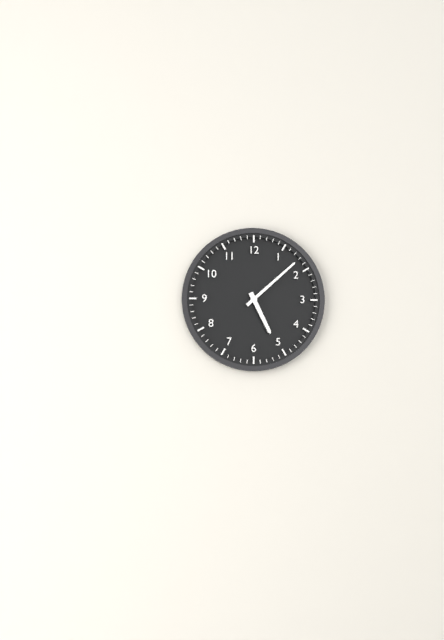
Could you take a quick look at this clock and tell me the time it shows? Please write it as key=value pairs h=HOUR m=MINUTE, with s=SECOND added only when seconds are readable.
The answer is h=5 m=8
